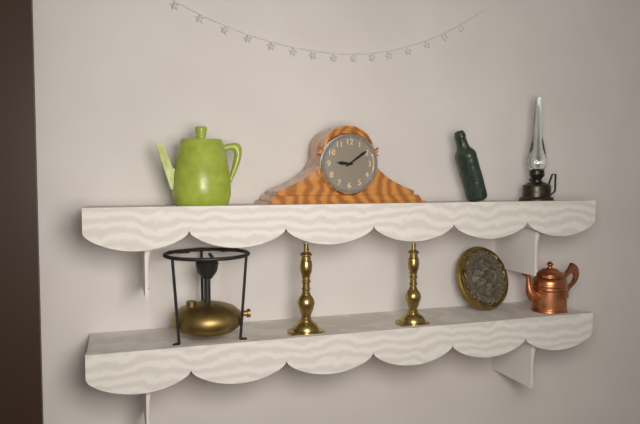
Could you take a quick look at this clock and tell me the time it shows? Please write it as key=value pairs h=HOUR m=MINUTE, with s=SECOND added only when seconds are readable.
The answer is h=9 m=9
